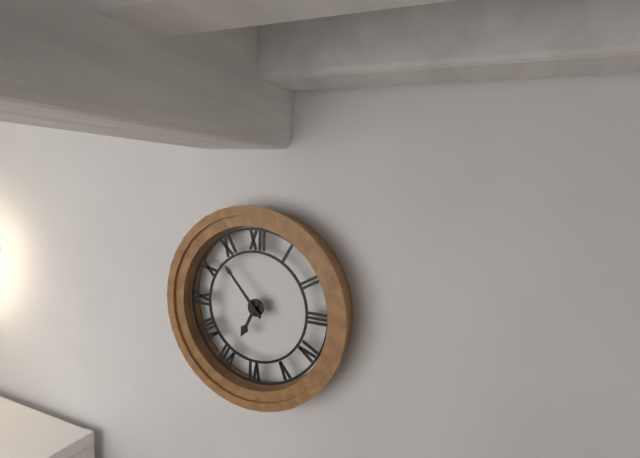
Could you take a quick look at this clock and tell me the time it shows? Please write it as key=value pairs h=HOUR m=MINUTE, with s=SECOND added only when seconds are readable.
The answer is h=6 m=53
